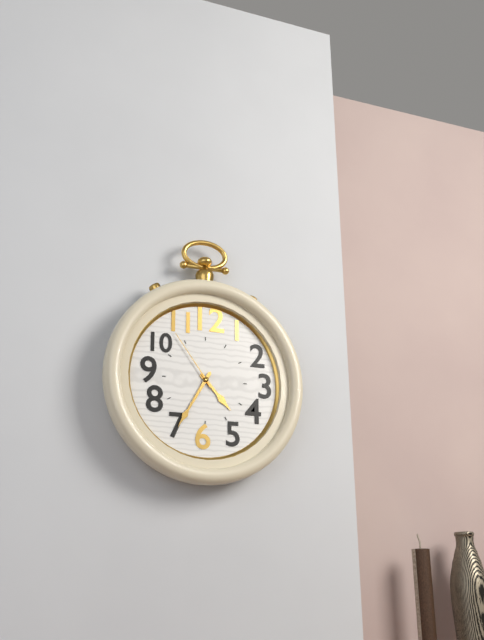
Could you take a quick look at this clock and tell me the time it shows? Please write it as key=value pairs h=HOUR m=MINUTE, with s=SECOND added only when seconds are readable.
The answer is h=4 m=35 s=54
